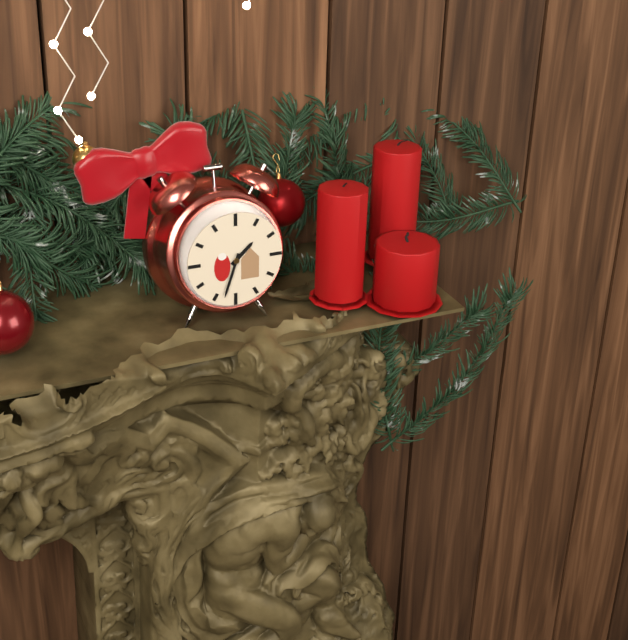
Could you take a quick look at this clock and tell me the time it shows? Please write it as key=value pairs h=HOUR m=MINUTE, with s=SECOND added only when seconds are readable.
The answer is h=1 m=33
